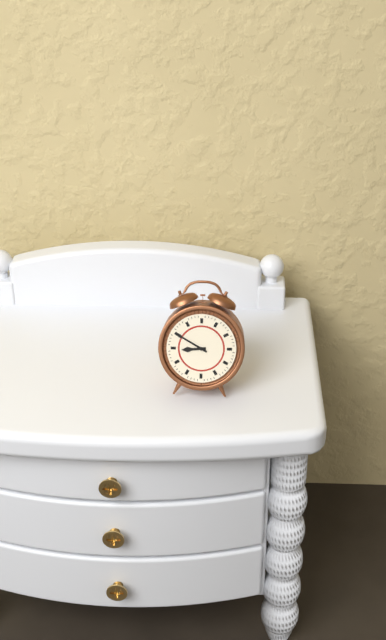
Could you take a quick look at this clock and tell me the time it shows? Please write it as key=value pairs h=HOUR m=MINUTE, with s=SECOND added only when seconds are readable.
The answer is h=8 m=50
